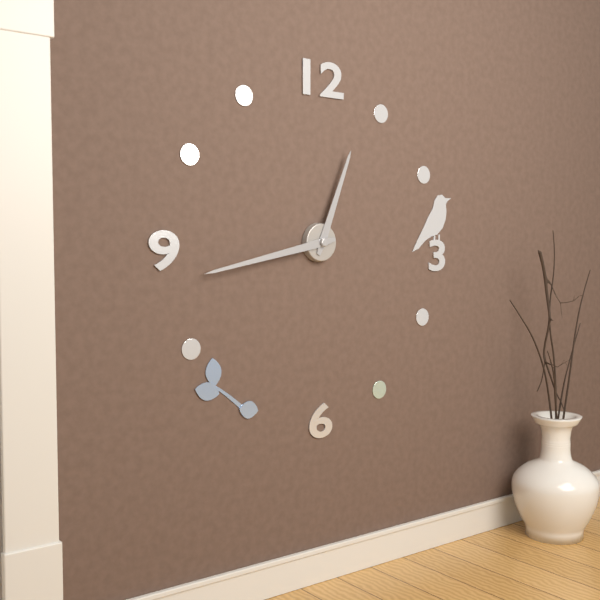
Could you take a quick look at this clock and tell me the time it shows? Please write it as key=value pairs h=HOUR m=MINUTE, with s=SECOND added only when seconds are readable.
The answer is h=12 m=43
